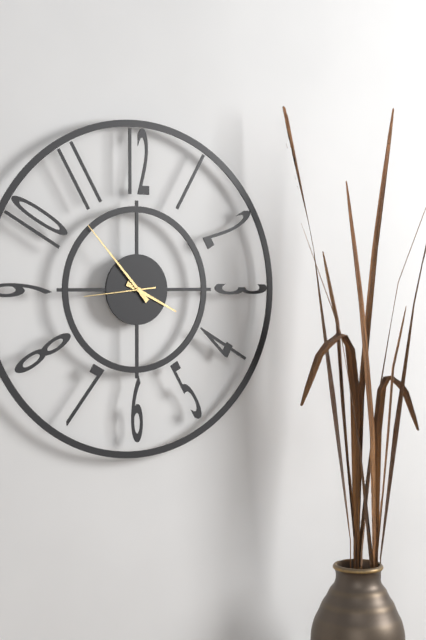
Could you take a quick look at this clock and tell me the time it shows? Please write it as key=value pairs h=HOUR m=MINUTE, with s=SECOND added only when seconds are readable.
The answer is h=3 m=53 s=44
